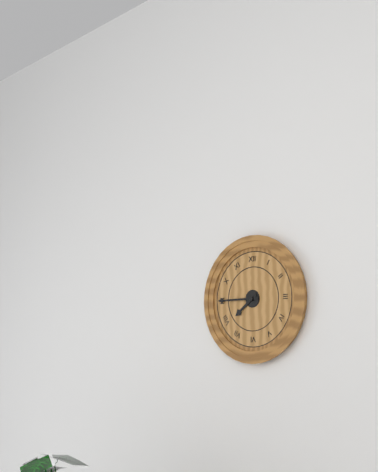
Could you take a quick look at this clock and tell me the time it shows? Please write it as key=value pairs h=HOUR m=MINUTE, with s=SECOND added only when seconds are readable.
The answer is h=7 m=45
